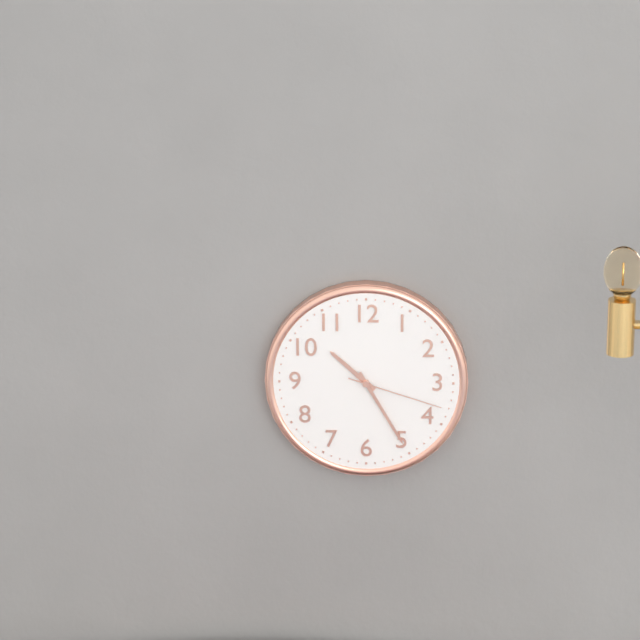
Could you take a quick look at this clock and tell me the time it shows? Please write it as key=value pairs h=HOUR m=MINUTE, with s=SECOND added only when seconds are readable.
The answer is h=10 m=25 s=18
